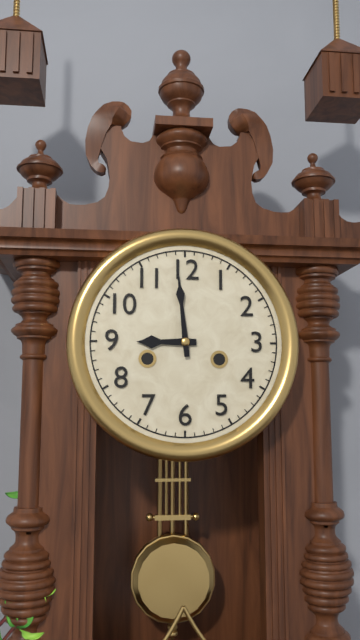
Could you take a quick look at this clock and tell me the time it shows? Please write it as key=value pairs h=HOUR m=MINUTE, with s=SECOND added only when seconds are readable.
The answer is h=8 m=59
